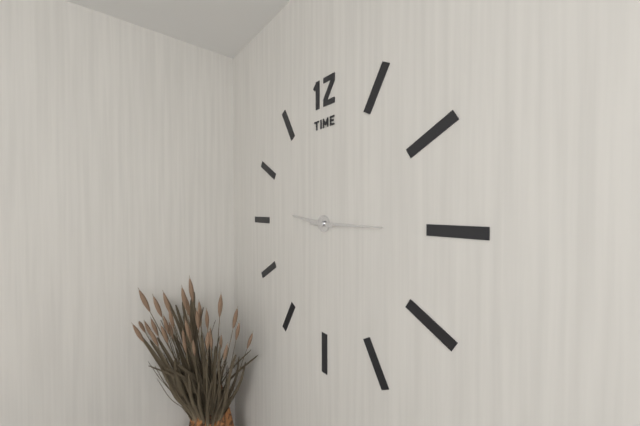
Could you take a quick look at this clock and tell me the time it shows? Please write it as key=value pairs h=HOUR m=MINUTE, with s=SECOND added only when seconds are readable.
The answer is h=9 m=15
